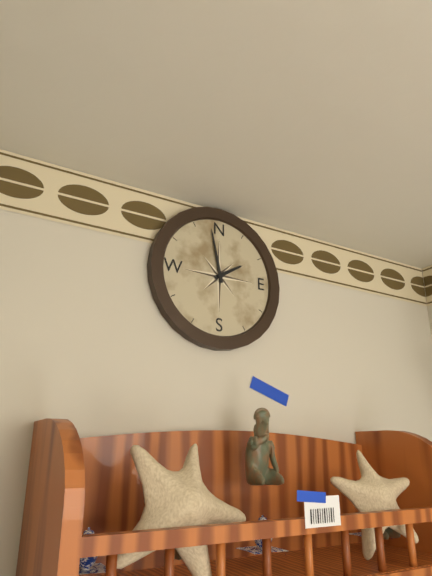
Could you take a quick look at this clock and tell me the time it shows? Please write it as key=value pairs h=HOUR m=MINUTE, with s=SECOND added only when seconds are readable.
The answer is h=1 m=58
